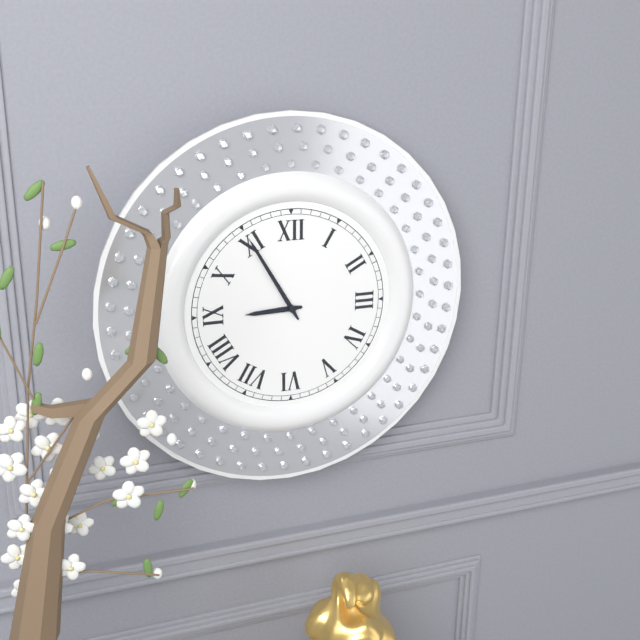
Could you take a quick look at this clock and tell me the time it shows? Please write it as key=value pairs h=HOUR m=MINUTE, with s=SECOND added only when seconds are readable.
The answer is h=8 m=55
